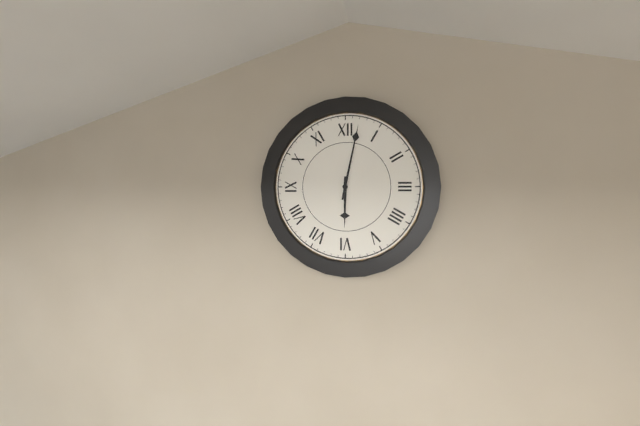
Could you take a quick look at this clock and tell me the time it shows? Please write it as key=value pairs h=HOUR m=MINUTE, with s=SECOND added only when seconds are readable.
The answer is h=6 m=2
